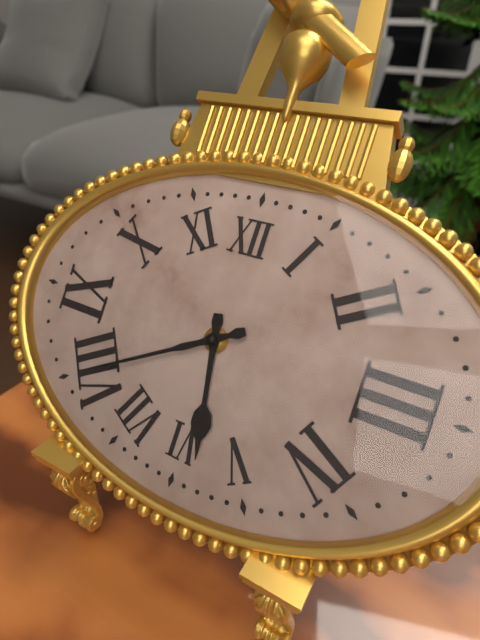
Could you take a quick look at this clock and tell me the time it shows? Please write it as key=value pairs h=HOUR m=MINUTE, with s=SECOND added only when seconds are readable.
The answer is h=5 m=40
